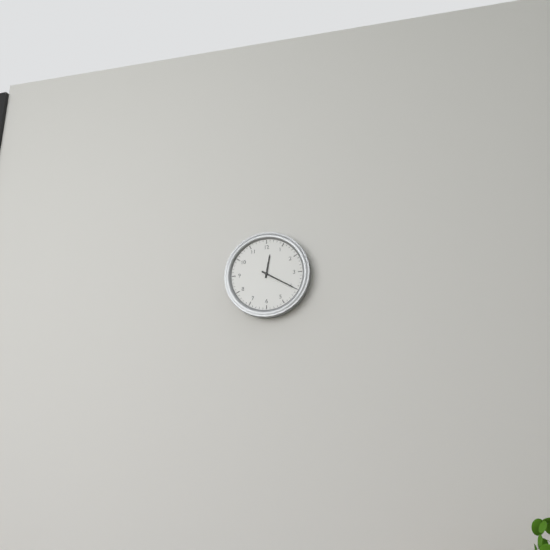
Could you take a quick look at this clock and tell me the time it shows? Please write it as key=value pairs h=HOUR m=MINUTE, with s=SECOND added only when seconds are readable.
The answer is h=12 m=20
